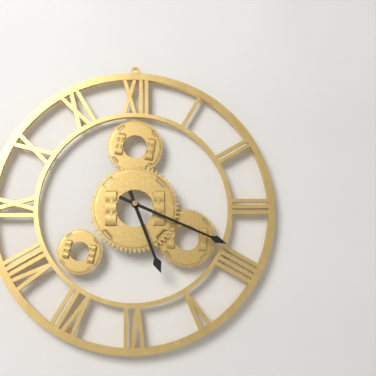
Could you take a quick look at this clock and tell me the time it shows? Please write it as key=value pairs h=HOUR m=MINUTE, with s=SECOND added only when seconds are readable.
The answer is h=5 m=19
